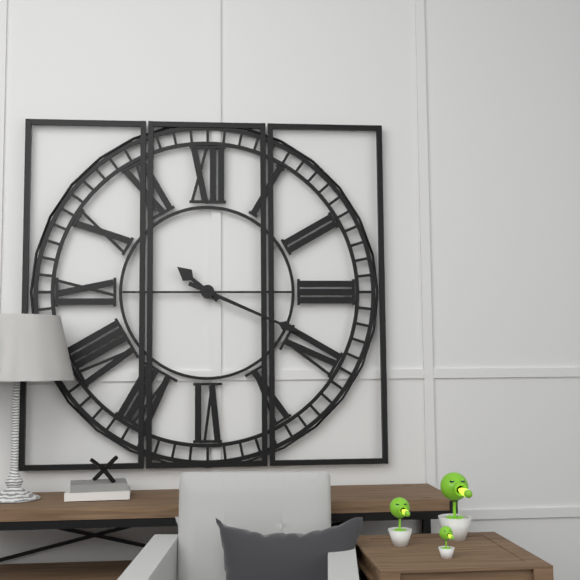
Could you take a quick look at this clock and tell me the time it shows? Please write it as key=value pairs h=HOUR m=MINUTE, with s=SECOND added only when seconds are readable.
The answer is h=10 m=19
